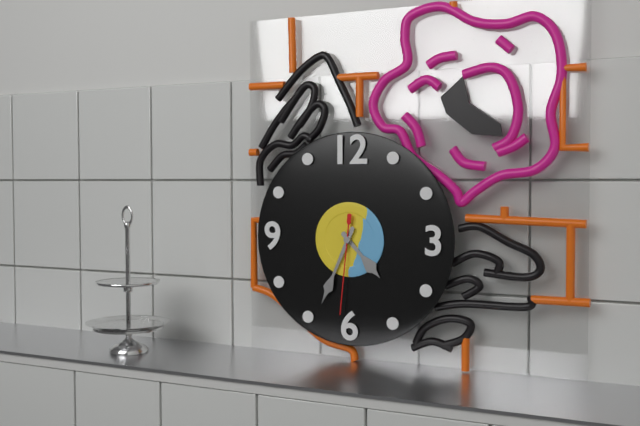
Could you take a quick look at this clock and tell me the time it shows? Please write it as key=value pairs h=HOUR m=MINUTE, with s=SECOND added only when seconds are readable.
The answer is h=4 m=34 s=31
